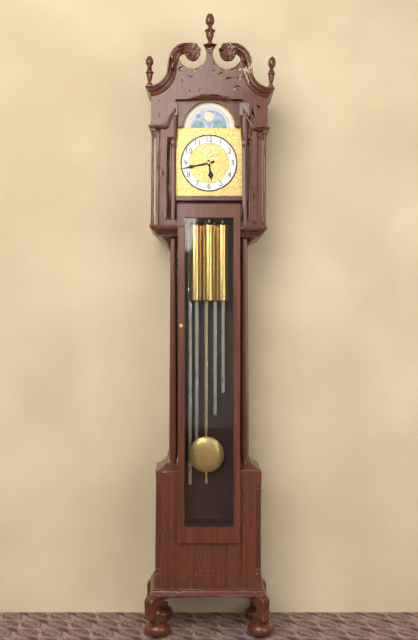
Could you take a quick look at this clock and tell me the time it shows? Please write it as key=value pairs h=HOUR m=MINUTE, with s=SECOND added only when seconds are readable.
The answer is h=5 m=43
